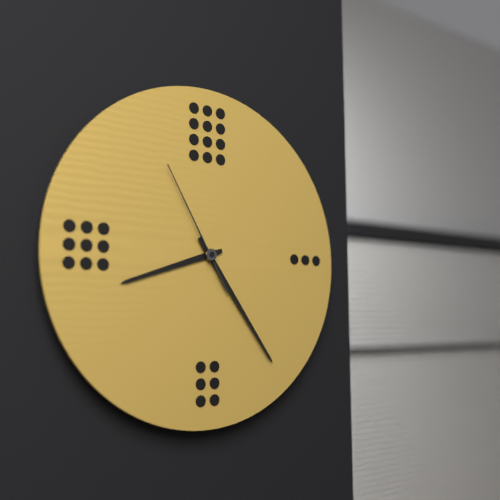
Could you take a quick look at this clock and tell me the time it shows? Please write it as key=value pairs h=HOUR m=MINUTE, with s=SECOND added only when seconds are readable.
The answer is h=8 m=24 s=55
